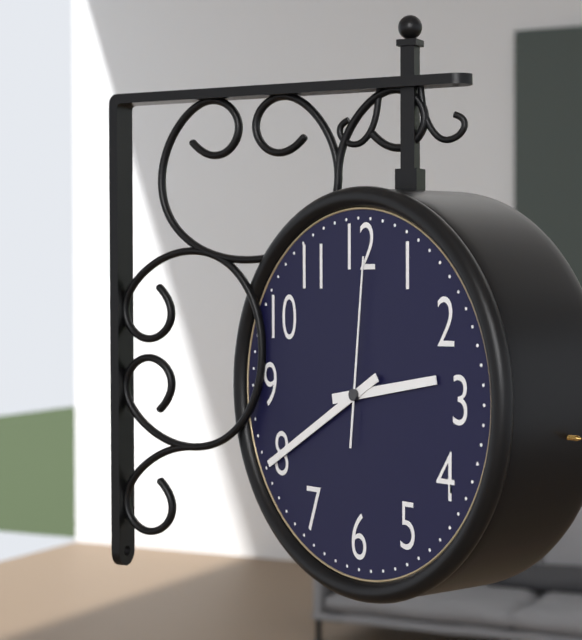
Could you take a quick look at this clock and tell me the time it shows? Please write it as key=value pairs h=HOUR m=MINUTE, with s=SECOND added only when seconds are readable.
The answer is h=2 m=40 s=1
